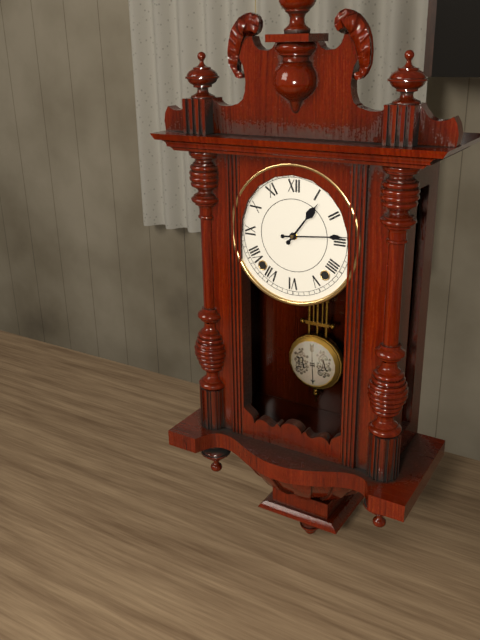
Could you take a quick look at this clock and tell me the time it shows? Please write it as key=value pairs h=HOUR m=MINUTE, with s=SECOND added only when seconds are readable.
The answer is h=1 m=14
